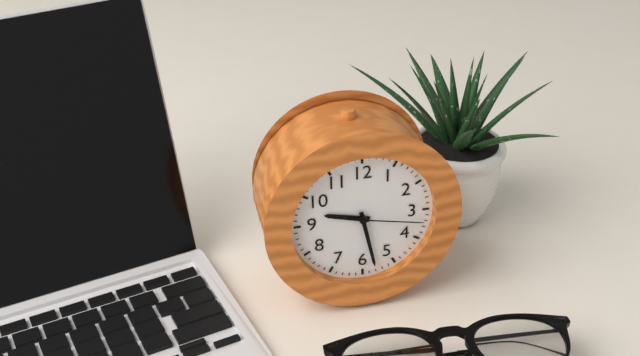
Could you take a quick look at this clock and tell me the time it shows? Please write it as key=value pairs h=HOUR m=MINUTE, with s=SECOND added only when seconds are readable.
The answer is h=9 m=28 s=17
